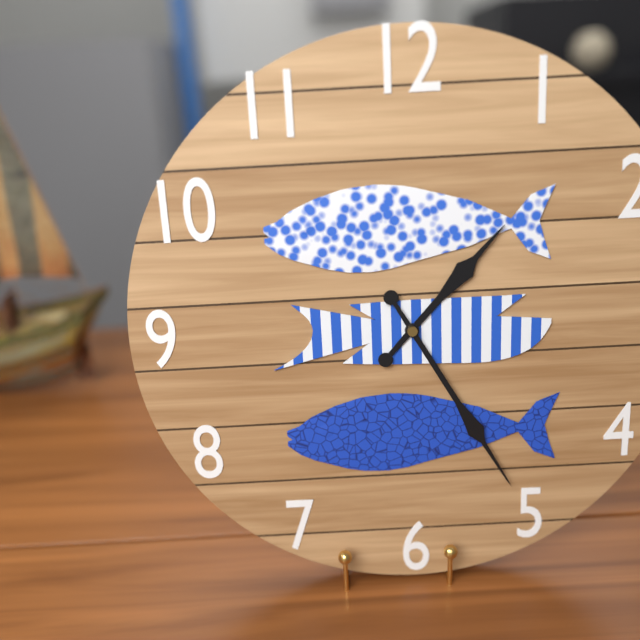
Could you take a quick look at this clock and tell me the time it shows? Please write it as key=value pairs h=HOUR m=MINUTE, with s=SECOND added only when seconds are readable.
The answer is h=1 m=25
